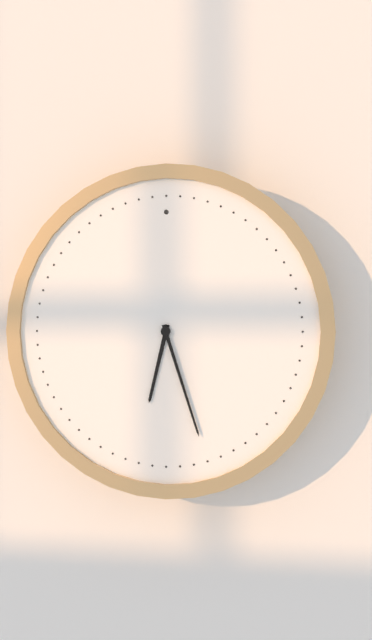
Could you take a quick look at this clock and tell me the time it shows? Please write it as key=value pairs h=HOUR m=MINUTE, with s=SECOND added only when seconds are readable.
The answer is h=6 m=27
